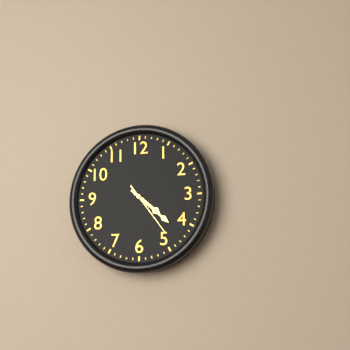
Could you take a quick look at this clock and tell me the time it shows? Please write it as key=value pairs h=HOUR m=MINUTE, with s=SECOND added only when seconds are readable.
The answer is h=4 m=22 s=24
